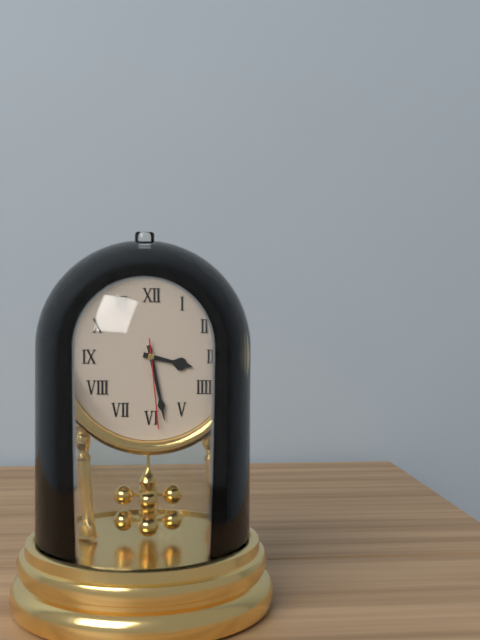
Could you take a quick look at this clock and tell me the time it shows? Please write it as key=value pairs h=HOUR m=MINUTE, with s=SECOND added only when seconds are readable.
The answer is h=3 m=28 s=29
